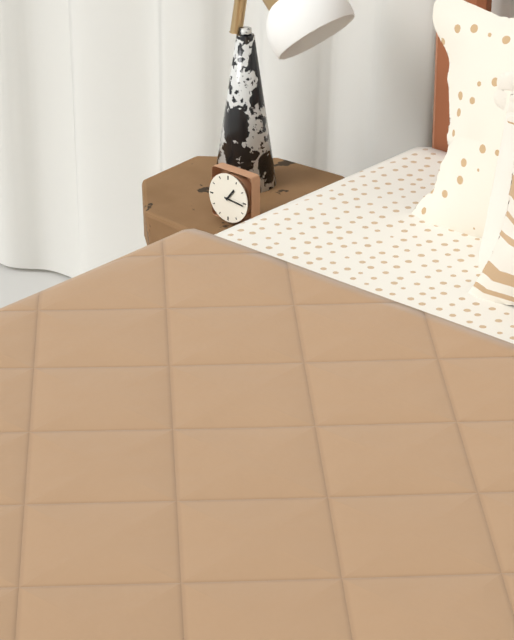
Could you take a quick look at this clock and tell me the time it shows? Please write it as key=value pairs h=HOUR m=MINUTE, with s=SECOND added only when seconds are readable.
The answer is h=1 m=16
